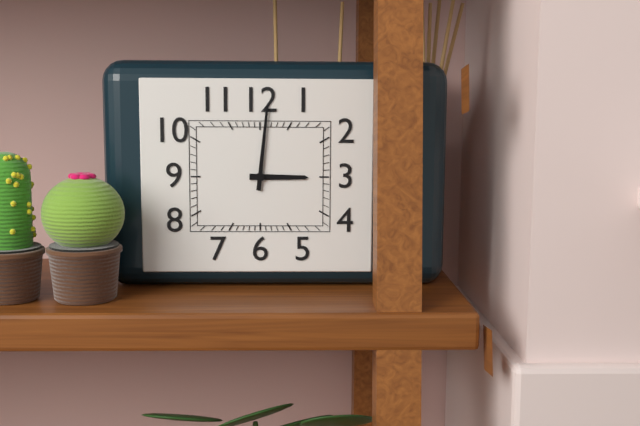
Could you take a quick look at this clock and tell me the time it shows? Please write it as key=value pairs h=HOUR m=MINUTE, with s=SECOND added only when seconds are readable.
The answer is h=3 m=1
